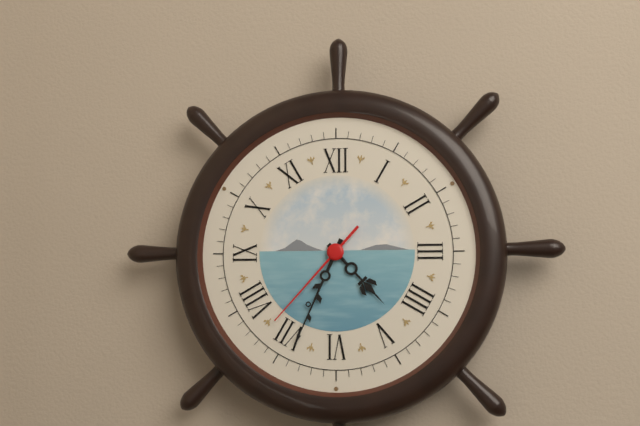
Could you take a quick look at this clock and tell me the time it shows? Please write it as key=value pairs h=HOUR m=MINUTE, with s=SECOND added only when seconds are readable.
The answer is h=4 m=34 s=37
